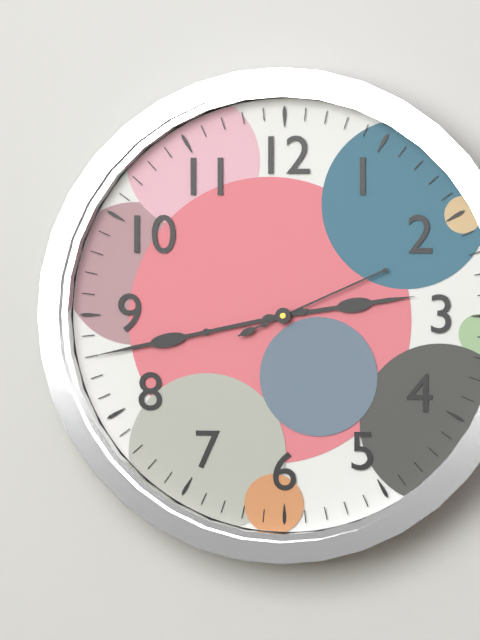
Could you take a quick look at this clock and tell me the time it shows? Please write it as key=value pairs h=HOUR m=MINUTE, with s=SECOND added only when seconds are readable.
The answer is h=2 m=43 s=11
